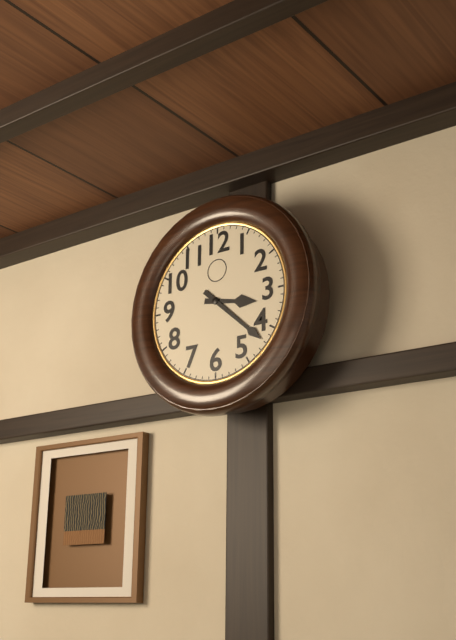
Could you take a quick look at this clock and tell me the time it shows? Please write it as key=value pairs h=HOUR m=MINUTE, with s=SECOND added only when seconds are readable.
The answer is h=3 m=22
